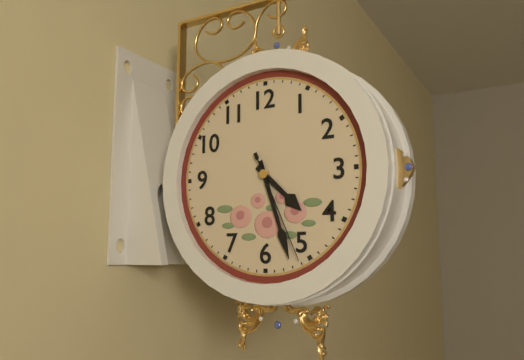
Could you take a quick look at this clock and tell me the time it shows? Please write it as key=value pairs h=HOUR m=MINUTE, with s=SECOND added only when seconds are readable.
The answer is h=4 m=27 s=26
